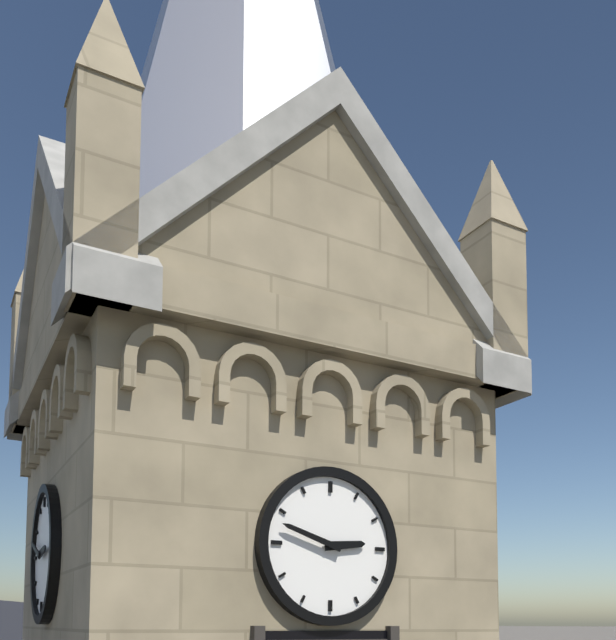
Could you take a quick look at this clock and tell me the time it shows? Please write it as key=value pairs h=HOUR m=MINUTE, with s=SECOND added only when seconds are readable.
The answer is h=2 m=48
